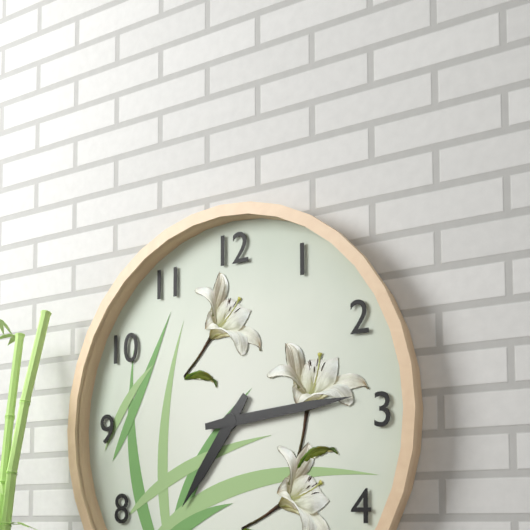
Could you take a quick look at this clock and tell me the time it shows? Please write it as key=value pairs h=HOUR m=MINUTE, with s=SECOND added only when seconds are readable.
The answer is h=7 m=14
